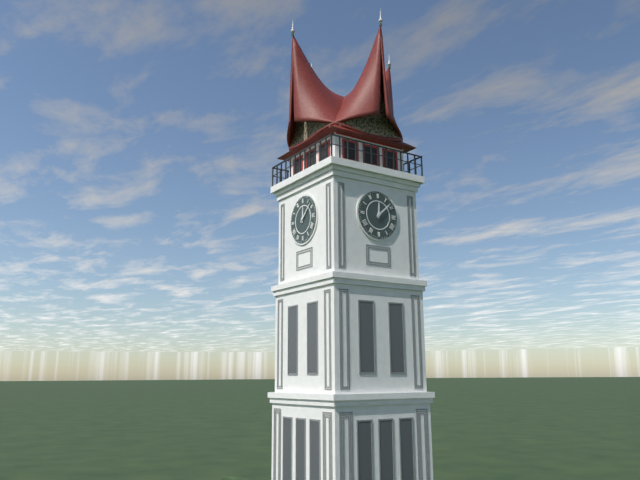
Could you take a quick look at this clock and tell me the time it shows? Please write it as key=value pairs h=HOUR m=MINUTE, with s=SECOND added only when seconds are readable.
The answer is h=12 m=8
